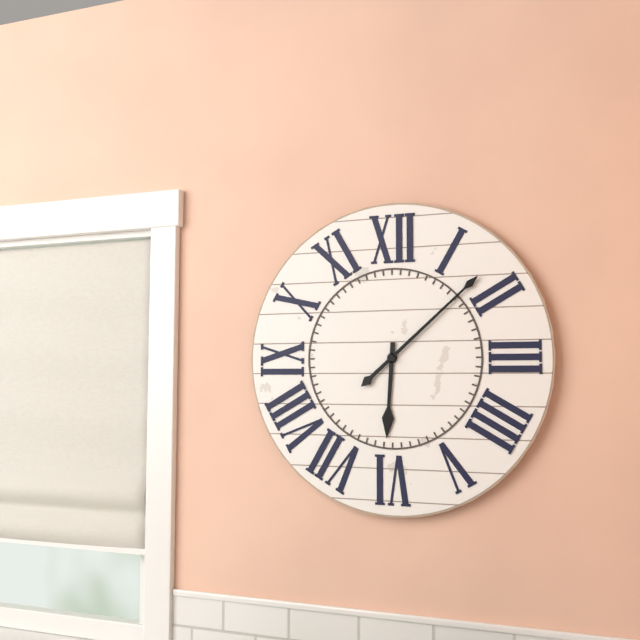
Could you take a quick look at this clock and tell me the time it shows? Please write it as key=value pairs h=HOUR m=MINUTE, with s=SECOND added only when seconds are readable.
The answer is h=6 m=8
